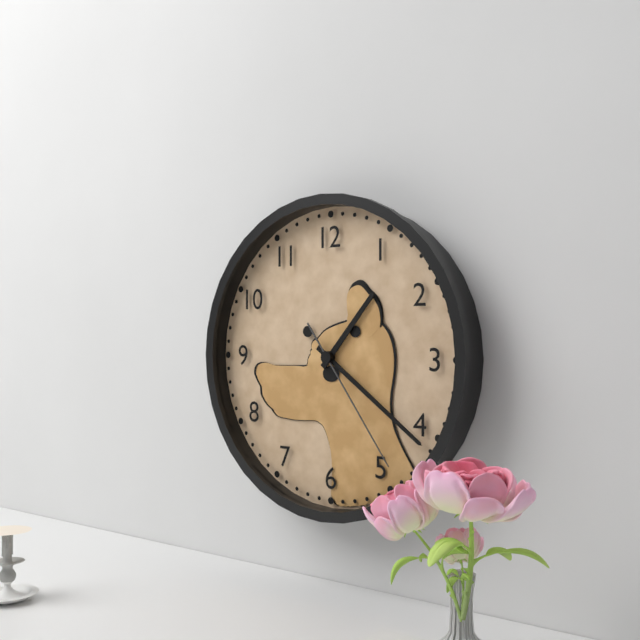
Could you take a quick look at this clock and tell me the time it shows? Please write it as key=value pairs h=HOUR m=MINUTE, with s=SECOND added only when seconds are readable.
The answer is h=1 m=21 s=24
